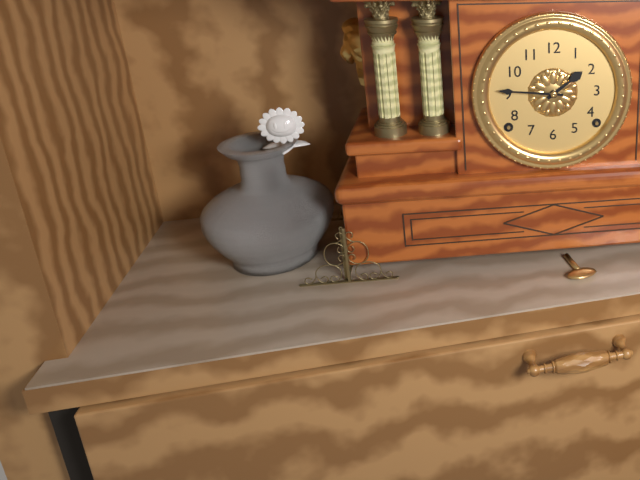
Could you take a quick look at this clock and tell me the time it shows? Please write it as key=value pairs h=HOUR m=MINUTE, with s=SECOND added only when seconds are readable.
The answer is h=1 m=46
